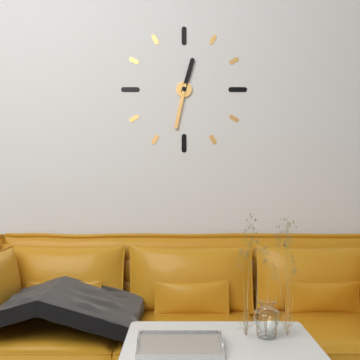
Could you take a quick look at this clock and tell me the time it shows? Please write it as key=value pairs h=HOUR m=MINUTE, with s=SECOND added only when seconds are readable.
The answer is h=12 m=32
